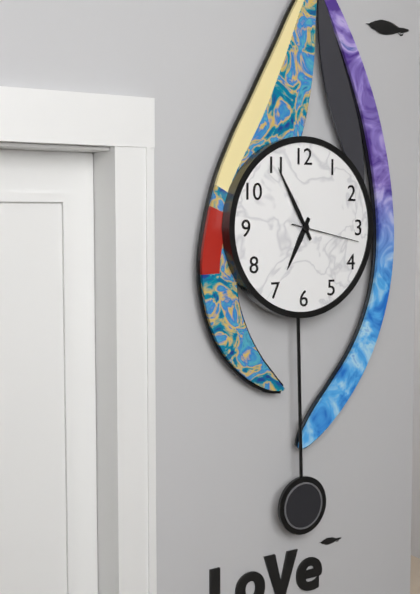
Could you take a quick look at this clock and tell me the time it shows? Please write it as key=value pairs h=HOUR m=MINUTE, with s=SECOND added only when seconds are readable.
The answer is h=6 m=55 s=17
